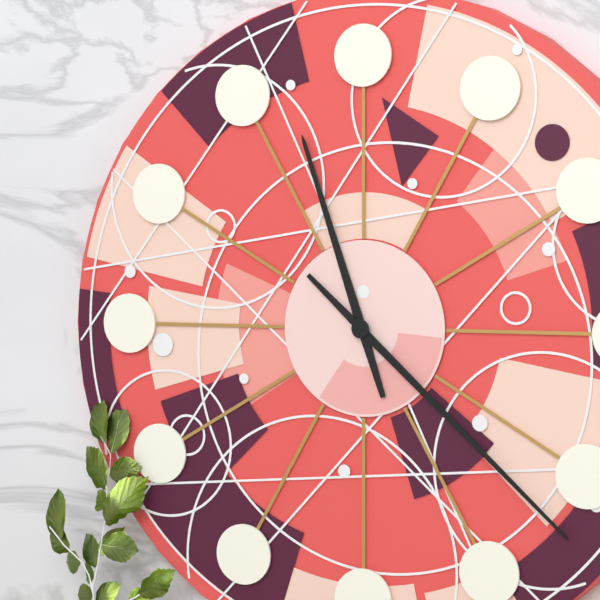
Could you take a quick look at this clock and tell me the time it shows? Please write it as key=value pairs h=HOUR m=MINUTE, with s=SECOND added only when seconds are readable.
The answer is h=11 m=22
